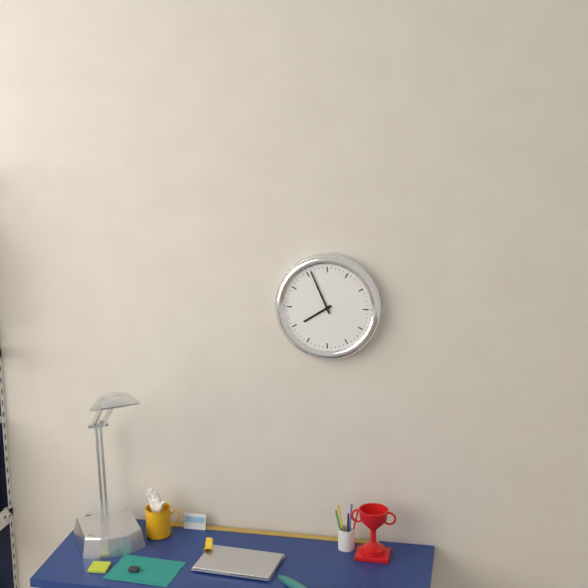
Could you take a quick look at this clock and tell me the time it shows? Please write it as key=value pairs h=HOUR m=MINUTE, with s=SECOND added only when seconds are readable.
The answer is h=7 m=56
